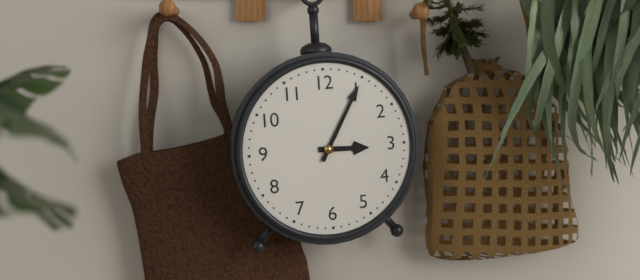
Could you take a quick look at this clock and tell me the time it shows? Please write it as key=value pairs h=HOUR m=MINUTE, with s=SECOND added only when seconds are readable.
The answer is h=3 m=5
